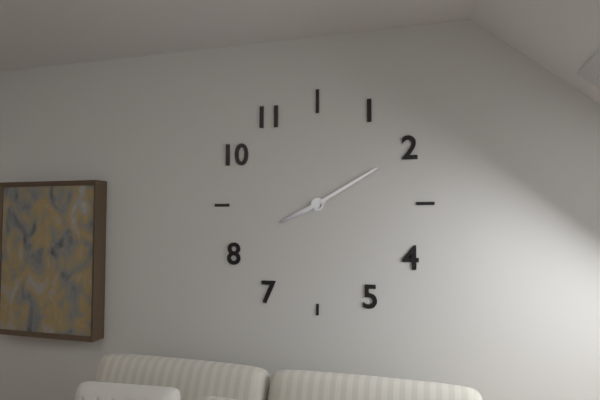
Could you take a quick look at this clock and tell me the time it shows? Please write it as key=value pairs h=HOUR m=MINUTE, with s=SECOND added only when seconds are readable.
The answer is h=8 m=10
